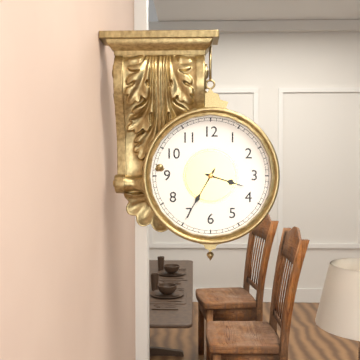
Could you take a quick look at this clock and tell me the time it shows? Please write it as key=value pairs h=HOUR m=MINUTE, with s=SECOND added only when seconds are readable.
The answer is h=3 m=35
